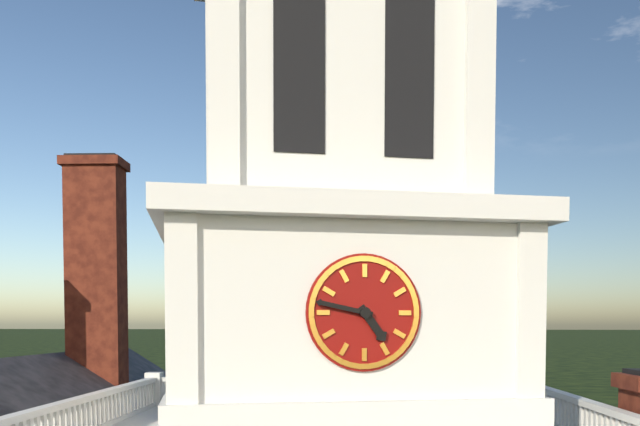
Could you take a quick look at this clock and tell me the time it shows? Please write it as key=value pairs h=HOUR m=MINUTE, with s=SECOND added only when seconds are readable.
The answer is h=4 m=47
